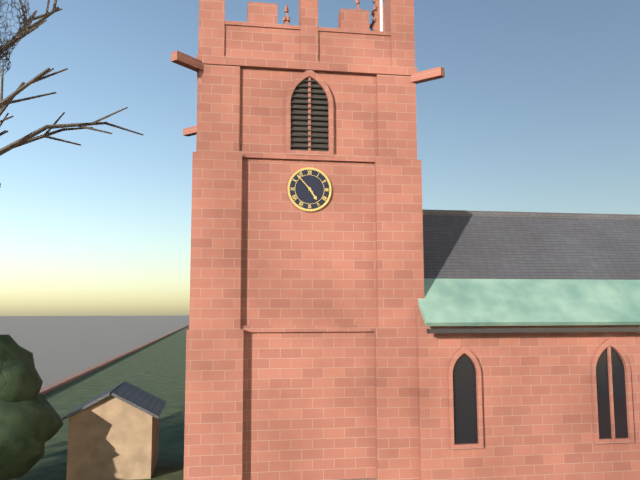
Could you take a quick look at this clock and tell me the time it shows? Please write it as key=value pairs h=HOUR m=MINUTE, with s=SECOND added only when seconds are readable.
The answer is h=4 m=53
